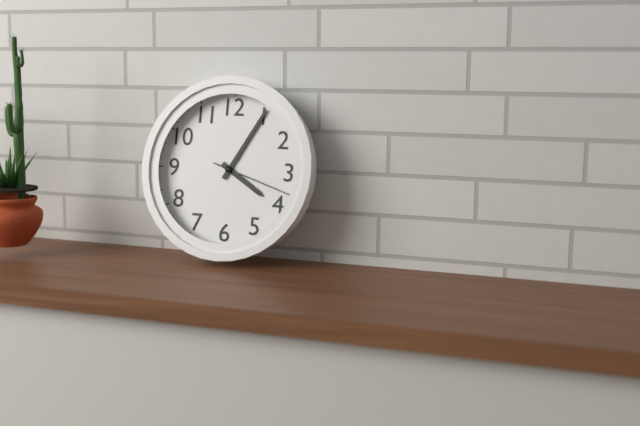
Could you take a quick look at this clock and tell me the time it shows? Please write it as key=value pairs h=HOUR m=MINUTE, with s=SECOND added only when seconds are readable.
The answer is h=4 m=5 s=18
